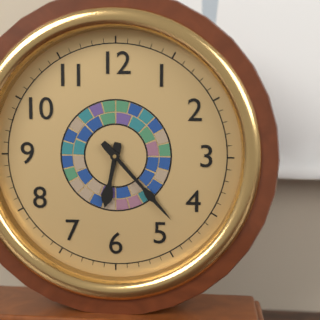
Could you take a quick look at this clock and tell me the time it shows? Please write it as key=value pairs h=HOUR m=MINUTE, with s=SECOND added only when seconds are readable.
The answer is h=6 m=23
